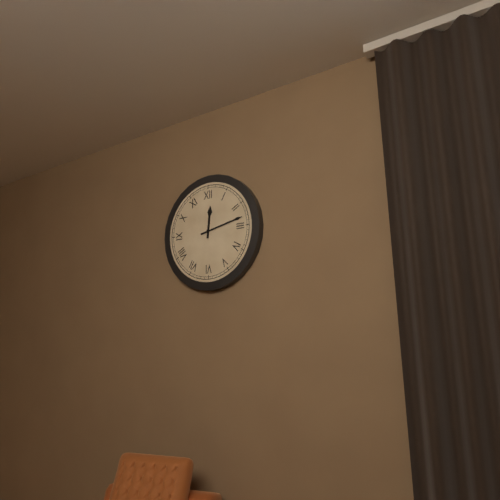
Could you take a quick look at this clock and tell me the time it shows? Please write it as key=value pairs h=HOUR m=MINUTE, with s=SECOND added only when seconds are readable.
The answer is h=12 m=13
